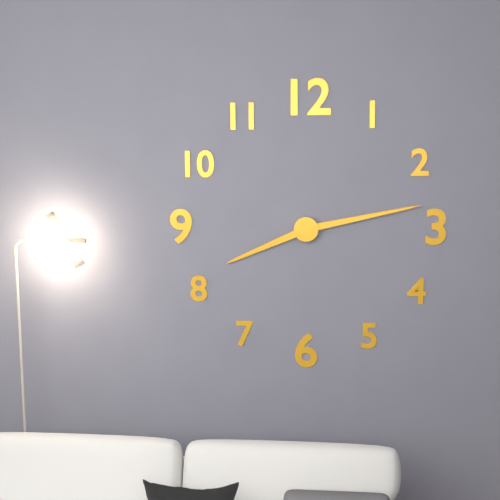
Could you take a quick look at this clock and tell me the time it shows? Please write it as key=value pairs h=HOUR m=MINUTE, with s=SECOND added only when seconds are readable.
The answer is h=8 m=13
